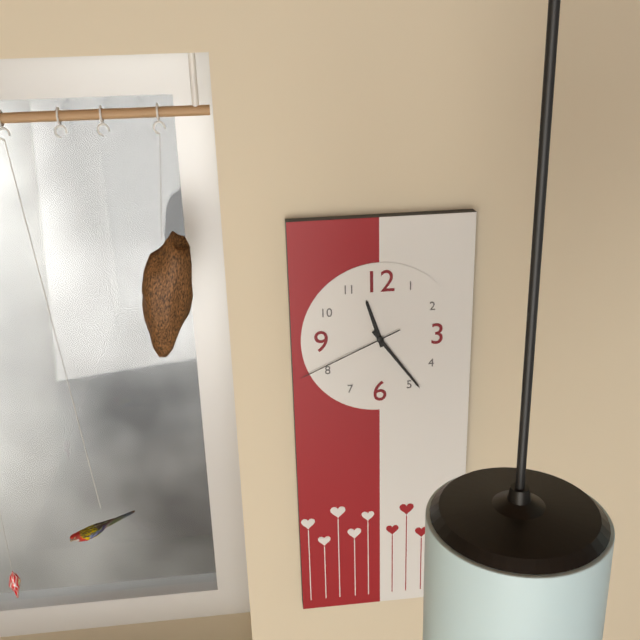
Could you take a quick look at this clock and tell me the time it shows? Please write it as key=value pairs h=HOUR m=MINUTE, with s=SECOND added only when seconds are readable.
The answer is h=11 m=24 s=41
